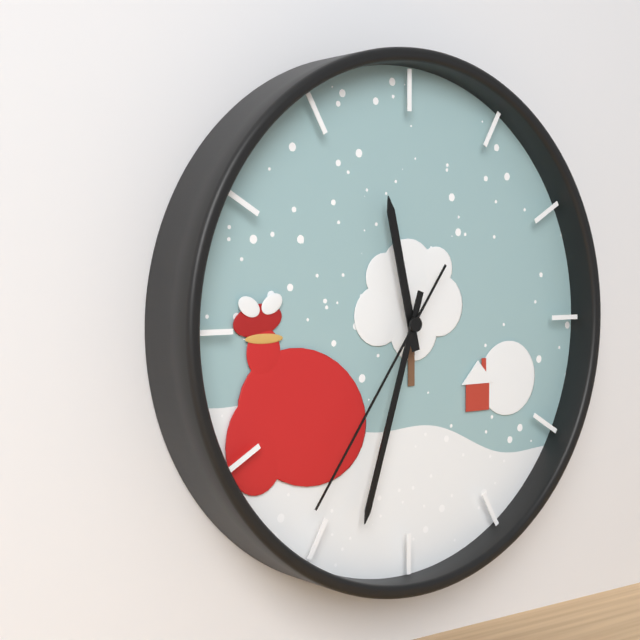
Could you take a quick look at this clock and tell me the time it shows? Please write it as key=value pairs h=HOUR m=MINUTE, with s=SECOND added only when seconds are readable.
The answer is h=11 m=33 s=36
